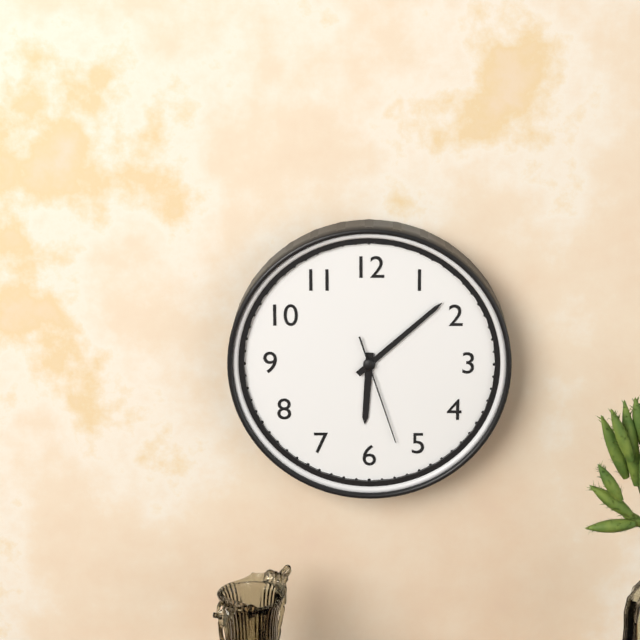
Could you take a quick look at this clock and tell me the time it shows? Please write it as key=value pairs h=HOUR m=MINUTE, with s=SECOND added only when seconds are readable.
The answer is h=6 m=8 s=27
